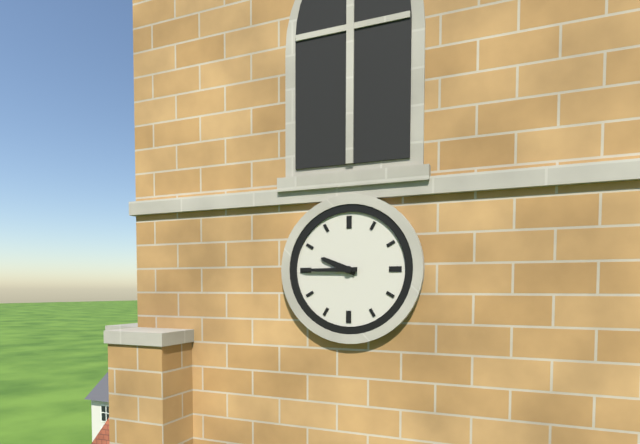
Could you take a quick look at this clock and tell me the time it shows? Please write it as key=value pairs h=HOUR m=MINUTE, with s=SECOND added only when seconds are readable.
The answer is h=9 m=45
